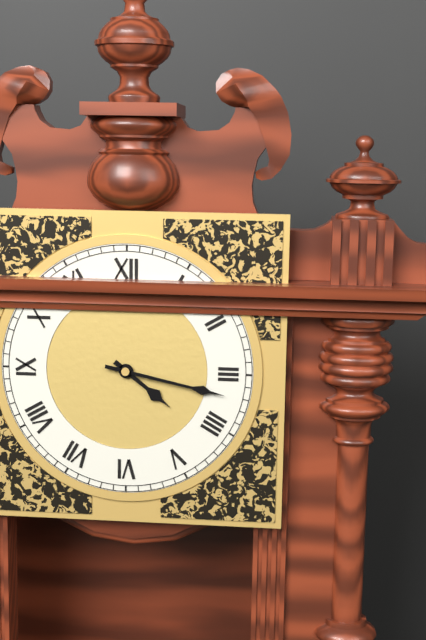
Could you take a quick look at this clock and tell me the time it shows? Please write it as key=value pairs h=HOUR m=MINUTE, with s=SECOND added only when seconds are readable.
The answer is h=4 m=17
